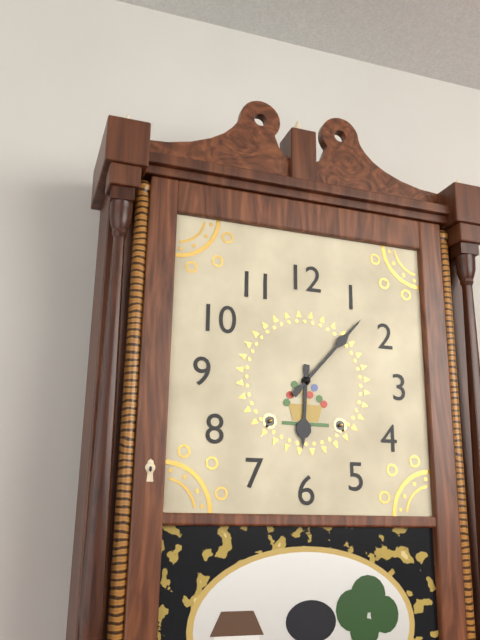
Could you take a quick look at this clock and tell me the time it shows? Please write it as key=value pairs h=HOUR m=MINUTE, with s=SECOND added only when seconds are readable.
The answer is h=6 m=7
